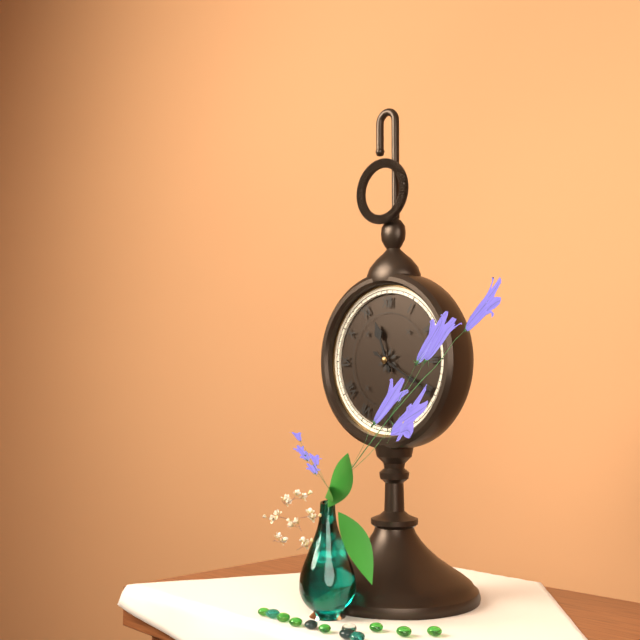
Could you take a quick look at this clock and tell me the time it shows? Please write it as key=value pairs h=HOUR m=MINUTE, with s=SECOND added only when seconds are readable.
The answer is h=11 m=20
